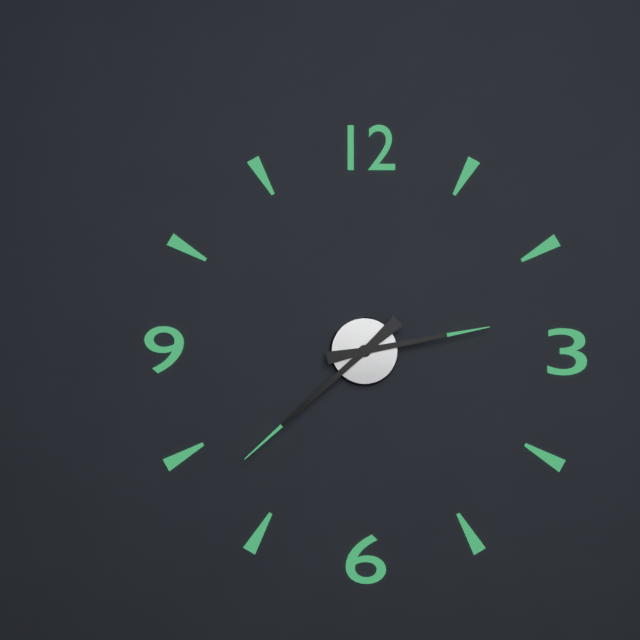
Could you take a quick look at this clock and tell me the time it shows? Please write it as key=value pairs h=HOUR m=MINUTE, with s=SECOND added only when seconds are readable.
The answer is h=2 m=38
